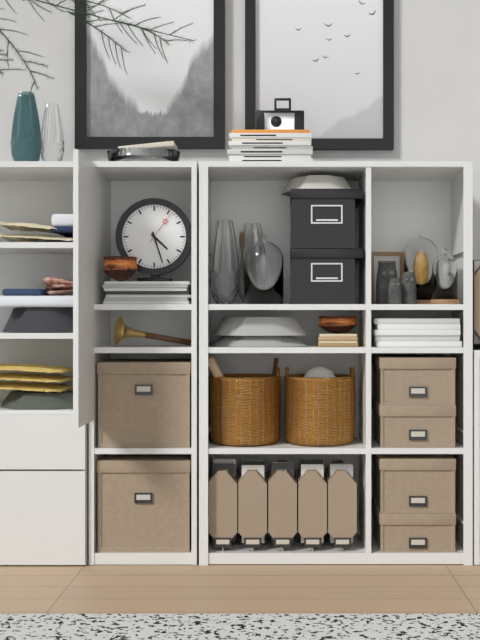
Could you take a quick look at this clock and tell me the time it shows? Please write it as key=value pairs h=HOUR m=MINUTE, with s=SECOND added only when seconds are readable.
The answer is h=4 m=27
